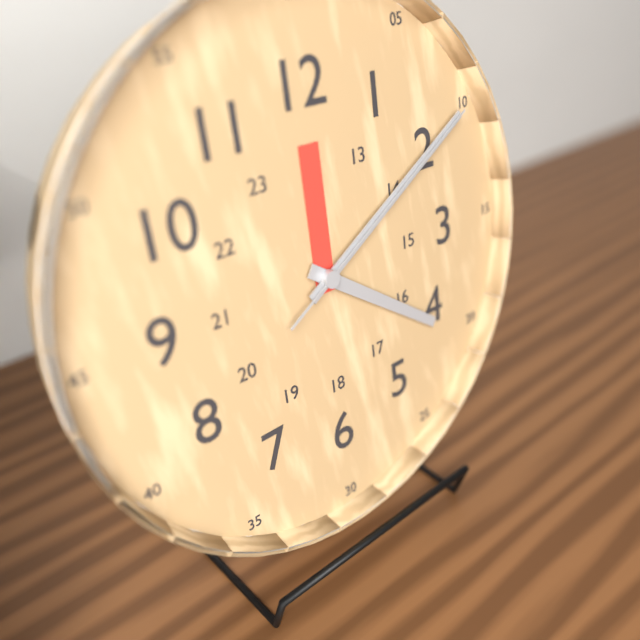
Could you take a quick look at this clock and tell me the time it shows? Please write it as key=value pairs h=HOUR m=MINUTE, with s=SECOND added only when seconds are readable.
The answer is h=4 m=10 s=10
